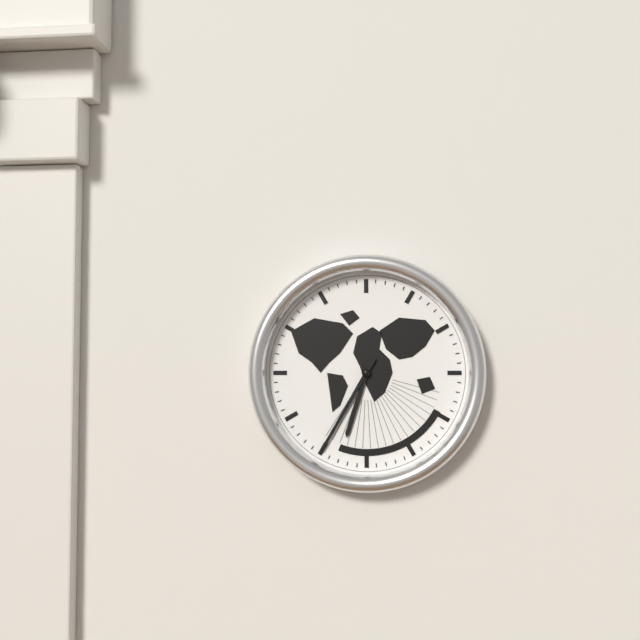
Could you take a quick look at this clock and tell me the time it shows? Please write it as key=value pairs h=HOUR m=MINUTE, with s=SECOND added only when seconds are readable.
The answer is h=6 m=35
